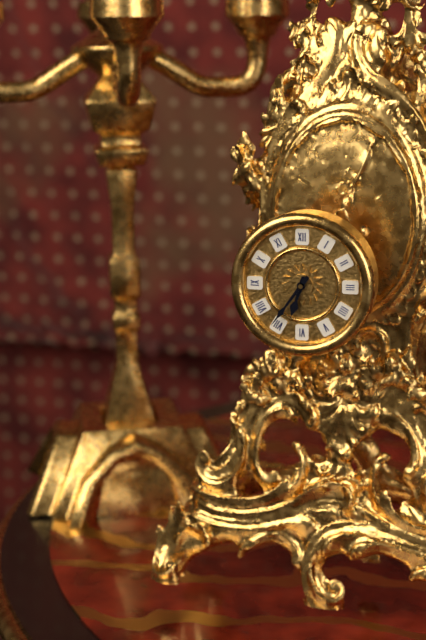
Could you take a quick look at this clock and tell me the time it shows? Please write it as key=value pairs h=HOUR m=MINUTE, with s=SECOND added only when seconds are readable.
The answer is h=6 m=36
